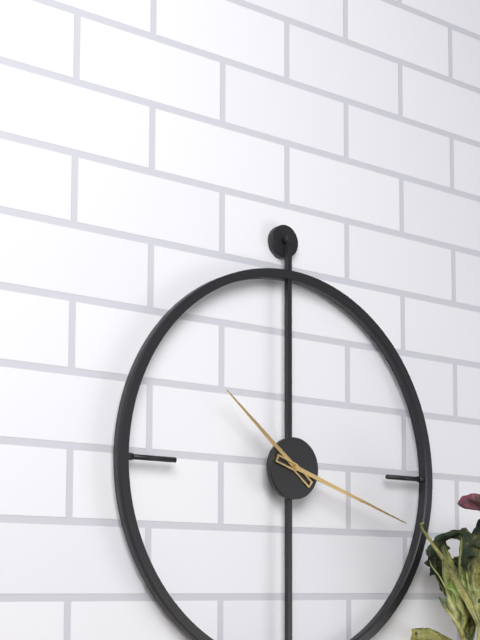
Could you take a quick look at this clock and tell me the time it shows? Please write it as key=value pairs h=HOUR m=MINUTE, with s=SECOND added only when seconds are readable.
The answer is h=10 m=18
